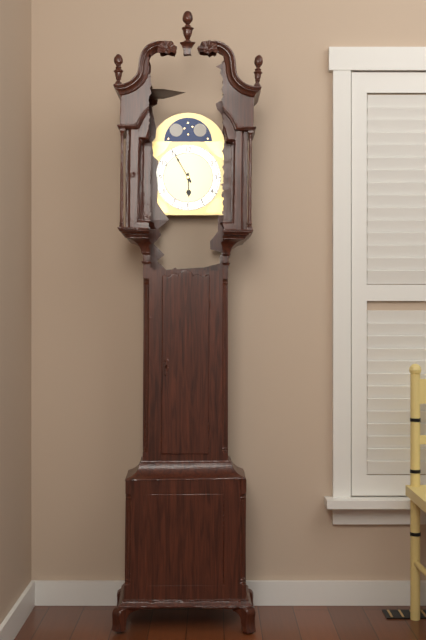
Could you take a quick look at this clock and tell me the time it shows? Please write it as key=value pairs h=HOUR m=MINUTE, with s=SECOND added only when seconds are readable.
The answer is h=5 m=55
